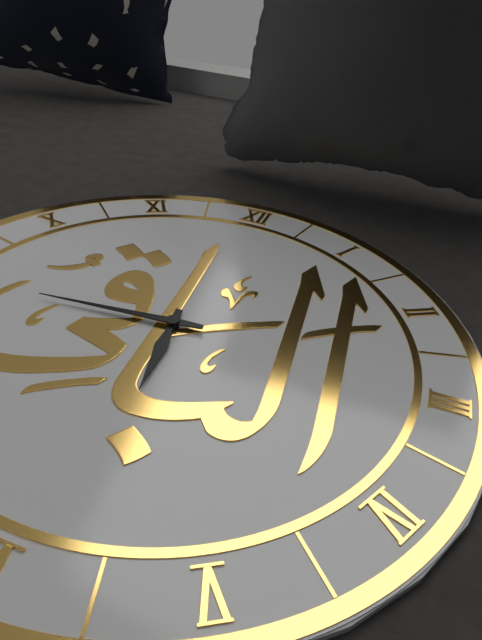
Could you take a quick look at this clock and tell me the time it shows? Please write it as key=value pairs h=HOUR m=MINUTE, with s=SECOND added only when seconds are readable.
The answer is h=5 m=44
